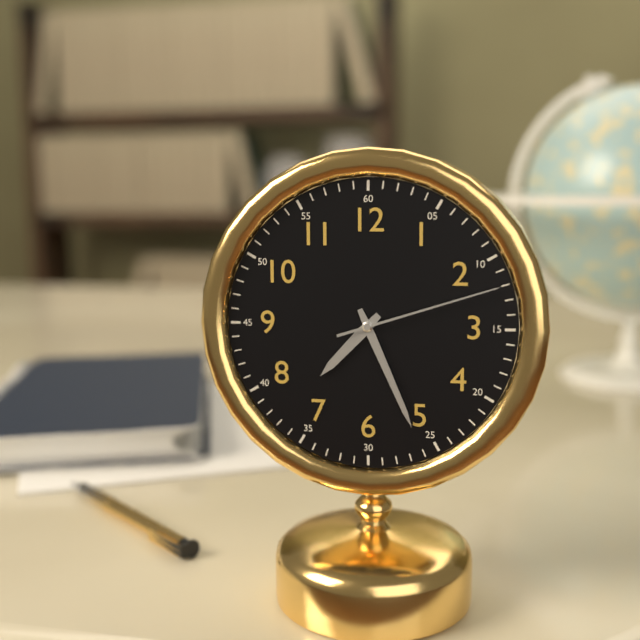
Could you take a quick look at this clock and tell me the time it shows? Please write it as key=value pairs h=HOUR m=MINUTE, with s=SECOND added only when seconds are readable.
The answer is h=7 m=26 s=12
